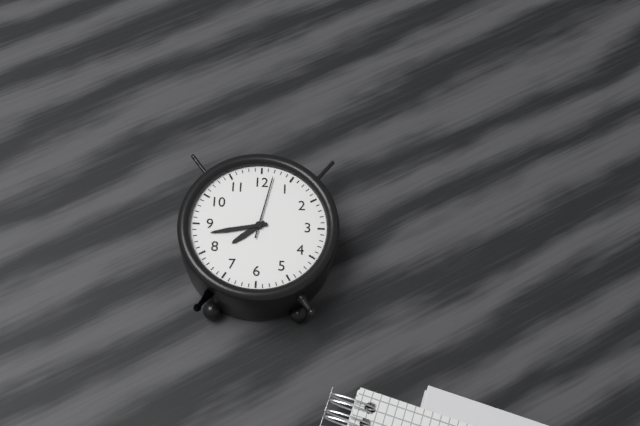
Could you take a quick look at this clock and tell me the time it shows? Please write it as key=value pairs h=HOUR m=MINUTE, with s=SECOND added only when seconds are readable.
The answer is h=7 m=43 s=2
